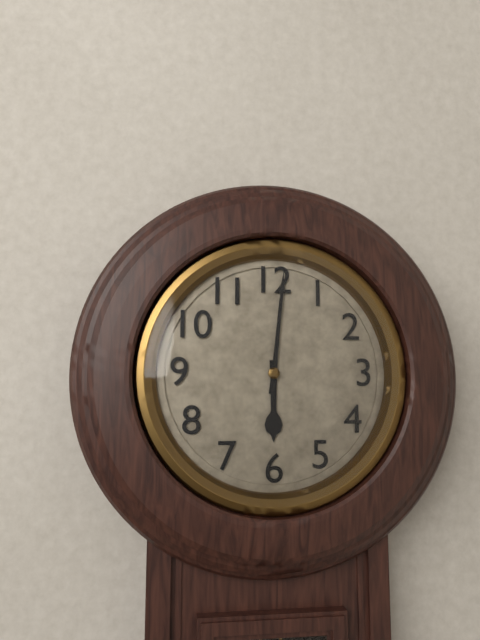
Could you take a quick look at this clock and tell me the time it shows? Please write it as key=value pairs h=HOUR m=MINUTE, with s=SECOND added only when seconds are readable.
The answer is h=6 m=1
